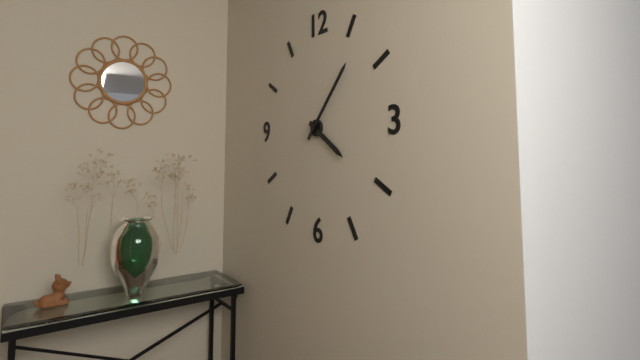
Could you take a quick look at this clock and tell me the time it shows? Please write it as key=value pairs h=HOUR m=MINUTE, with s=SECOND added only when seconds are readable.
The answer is h=4 m=7
